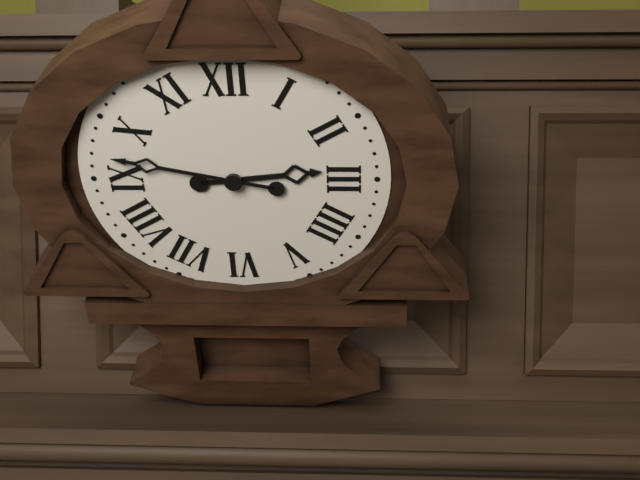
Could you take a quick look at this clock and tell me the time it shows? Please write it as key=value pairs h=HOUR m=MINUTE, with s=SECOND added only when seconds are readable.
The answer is h=2 m=47
